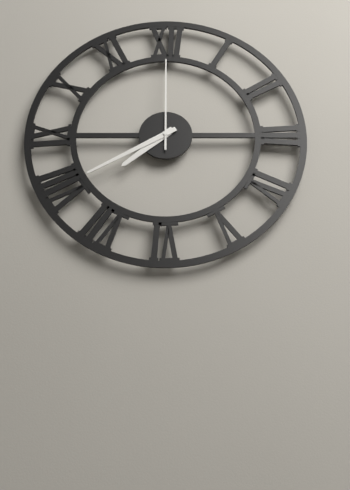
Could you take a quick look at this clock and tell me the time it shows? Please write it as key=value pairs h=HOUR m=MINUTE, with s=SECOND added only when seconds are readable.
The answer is h=7 m=40 s=0
